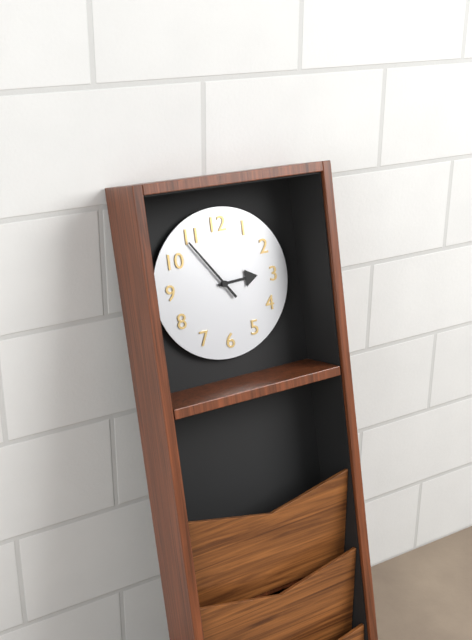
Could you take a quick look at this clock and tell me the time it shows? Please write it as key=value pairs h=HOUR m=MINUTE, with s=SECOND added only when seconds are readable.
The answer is h=2 m=54
